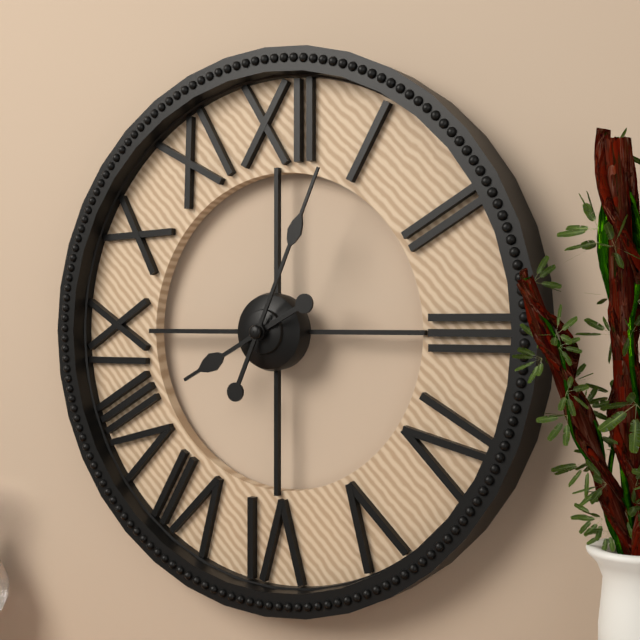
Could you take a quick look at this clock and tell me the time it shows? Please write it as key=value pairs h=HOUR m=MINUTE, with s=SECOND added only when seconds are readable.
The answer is h=8 m=4
